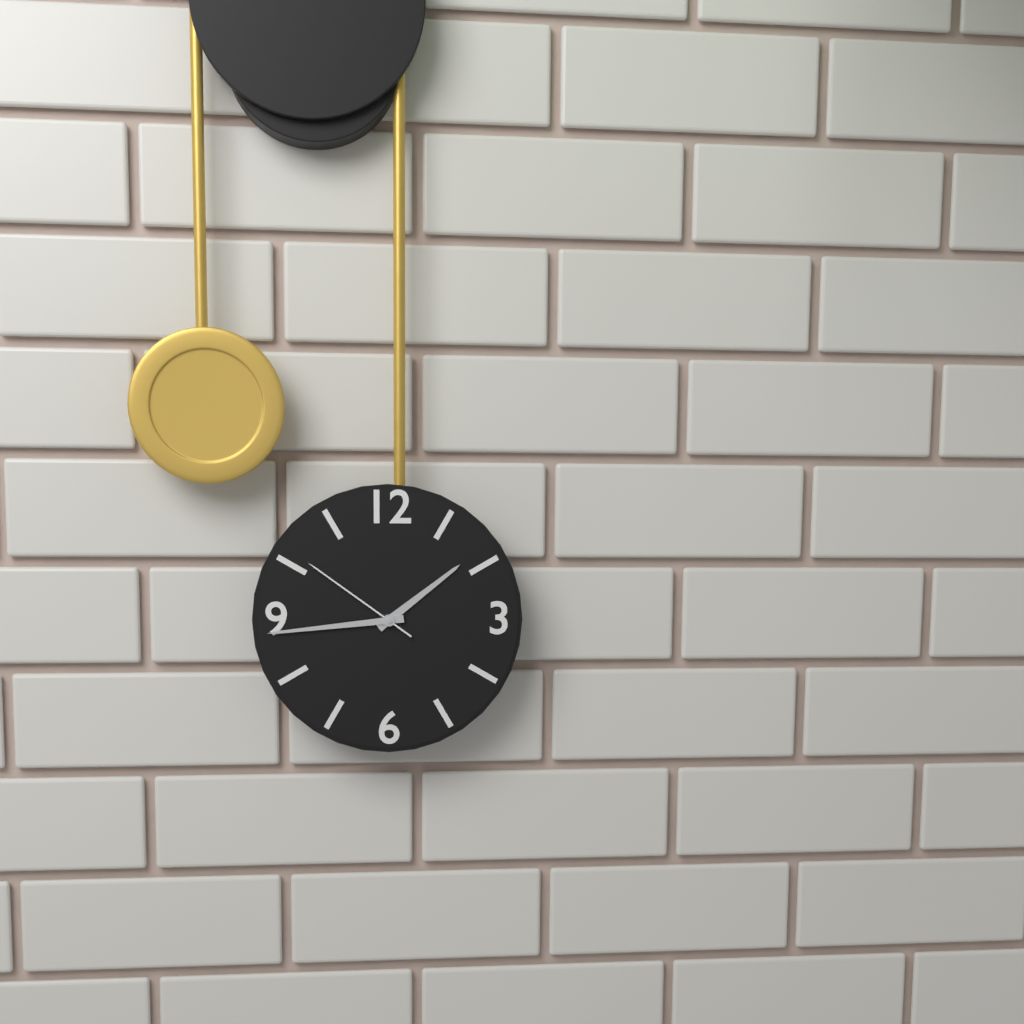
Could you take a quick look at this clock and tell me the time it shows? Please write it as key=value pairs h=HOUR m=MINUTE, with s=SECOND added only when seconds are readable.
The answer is h=1 m=44 s=51
